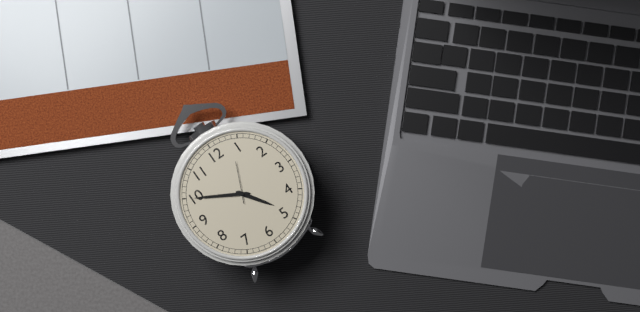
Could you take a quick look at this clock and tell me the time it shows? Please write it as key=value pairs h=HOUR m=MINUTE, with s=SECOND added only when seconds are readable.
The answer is h=4 m=50
